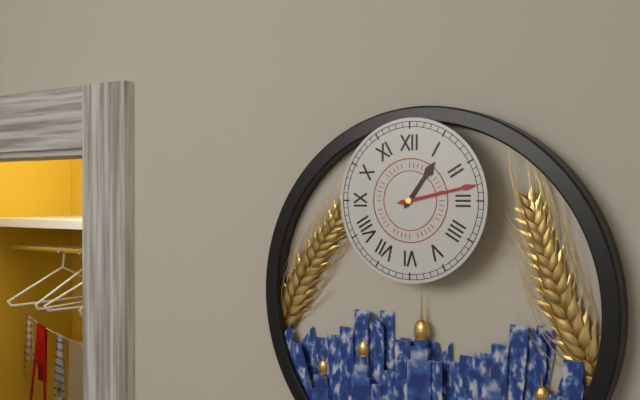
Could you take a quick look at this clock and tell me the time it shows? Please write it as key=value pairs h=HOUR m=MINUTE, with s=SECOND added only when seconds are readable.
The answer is h=1 m=13
